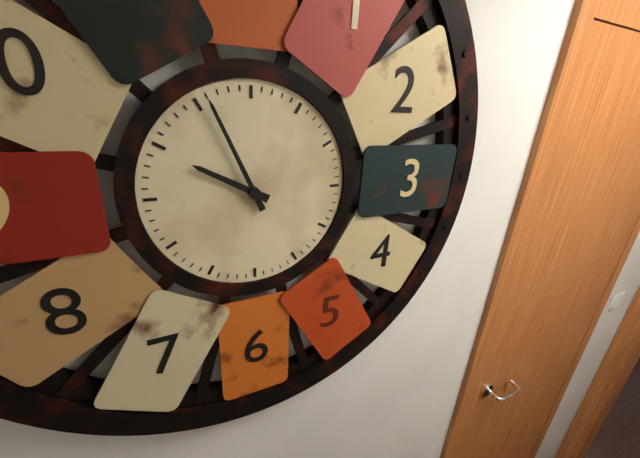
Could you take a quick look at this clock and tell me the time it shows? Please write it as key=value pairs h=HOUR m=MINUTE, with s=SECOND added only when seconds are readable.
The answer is h=9 m=56
